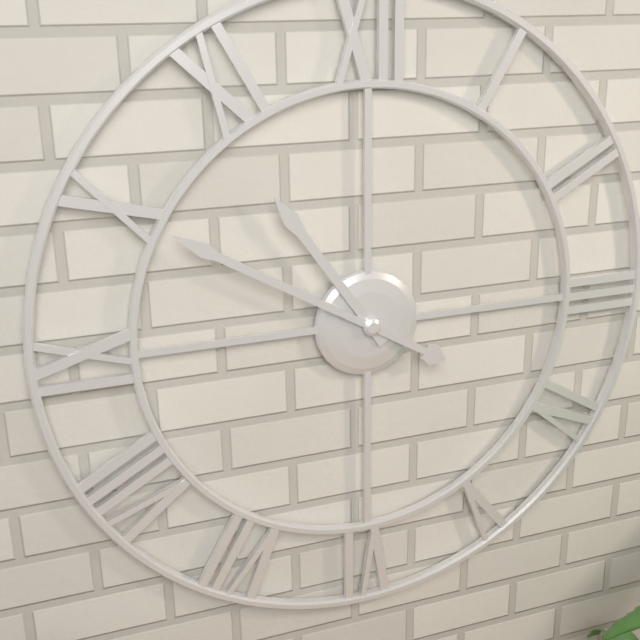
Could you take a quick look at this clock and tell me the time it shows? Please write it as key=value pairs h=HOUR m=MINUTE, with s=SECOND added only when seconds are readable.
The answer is h=10 m=50
